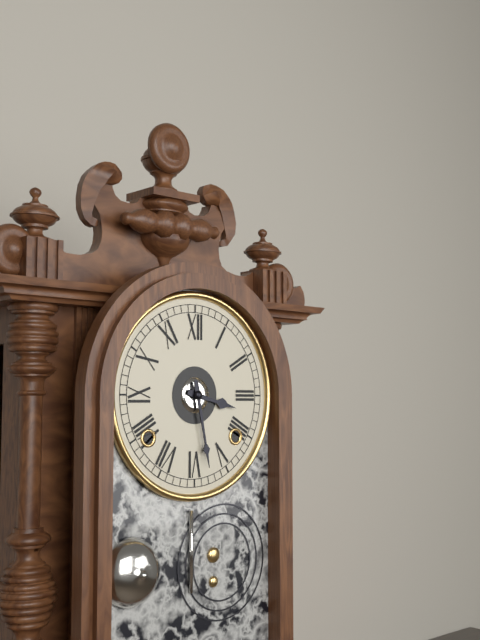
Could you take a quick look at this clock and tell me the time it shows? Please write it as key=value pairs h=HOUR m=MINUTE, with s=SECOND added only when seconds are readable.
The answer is h=3 m=28
